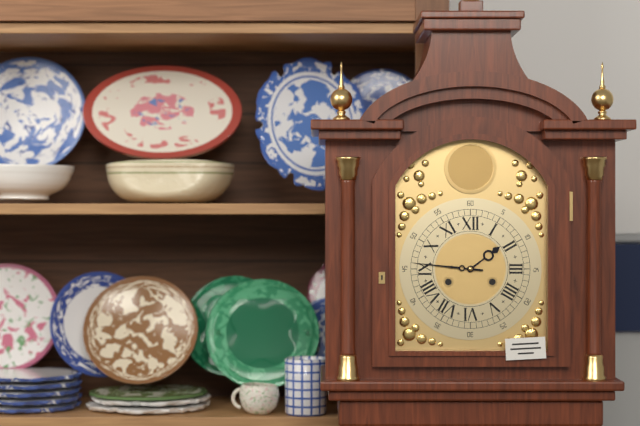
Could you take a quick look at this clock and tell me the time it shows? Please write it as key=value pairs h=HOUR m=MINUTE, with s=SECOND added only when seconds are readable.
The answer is h=1 m=46
